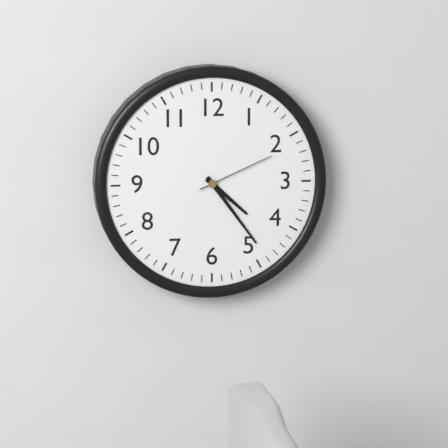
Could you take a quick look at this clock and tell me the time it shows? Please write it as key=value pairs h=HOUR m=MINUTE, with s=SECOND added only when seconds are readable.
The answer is h=4 m=24 s=11
